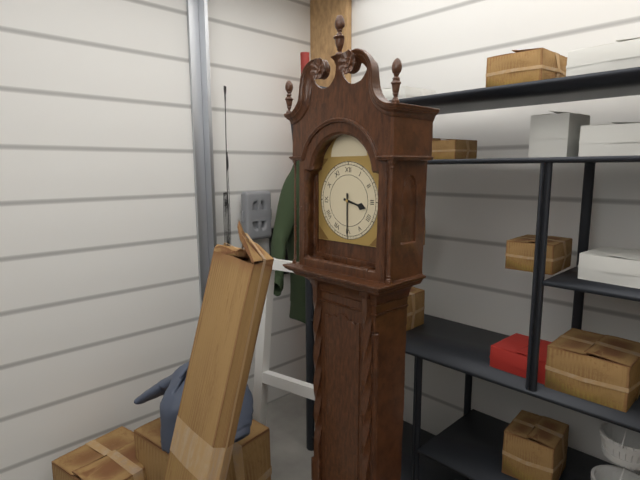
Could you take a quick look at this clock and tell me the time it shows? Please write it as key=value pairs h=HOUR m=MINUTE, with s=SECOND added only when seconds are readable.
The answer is h=3 m=30
